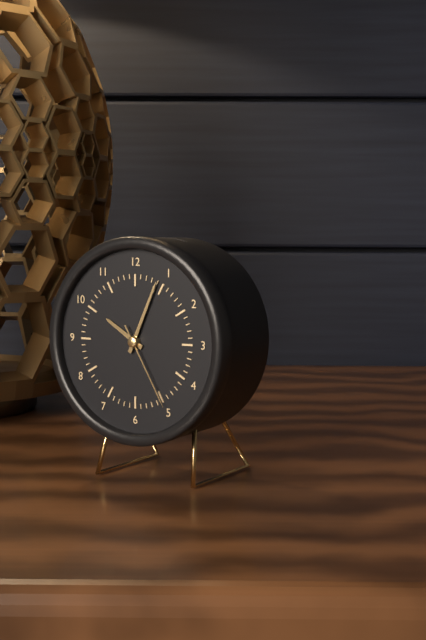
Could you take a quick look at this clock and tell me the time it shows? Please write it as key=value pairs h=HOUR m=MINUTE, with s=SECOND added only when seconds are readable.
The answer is h=10 m=4 s=25
